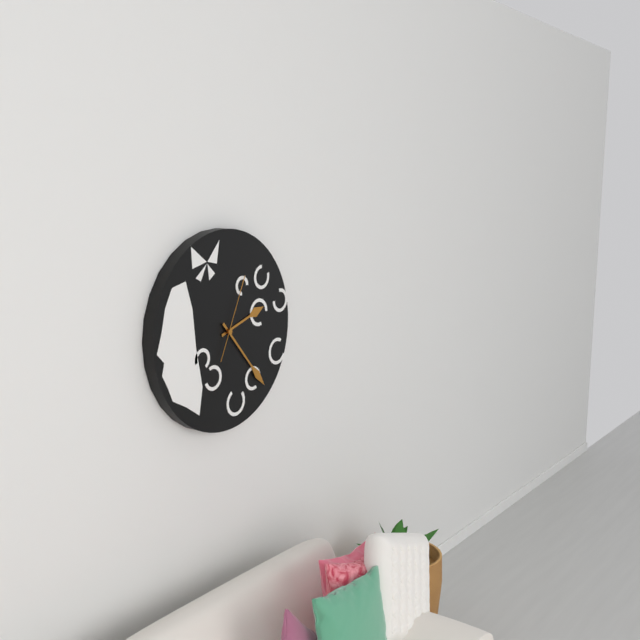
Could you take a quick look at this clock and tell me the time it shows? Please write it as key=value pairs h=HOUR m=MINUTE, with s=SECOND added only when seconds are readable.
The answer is h=2 m=23 s=4
